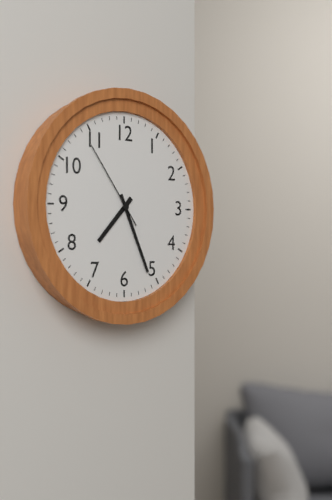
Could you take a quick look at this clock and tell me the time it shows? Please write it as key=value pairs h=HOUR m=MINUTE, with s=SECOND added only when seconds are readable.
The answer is h=7 m=26 s=54
